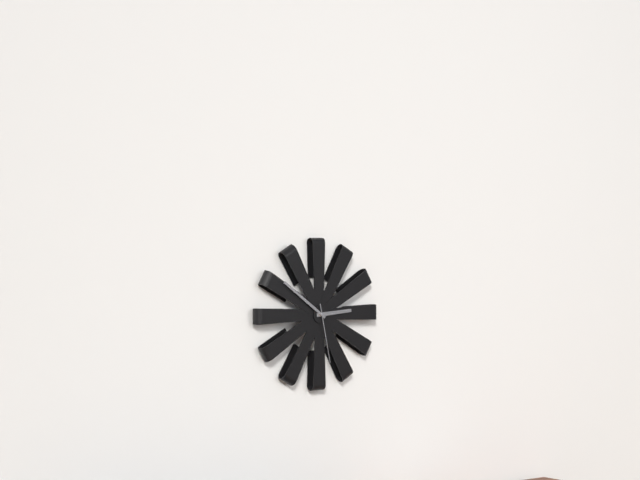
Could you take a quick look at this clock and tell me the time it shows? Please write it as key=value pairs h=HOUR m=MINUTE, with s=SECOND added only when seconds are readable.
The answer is h=2 m=51 s=28
